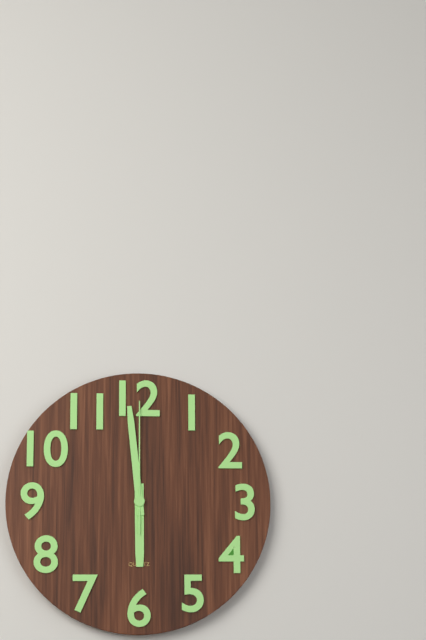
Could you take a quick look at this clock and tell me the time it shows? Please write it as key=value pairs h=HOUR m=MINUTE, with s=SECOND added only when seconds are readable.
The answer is h=5 m=59 s=0
